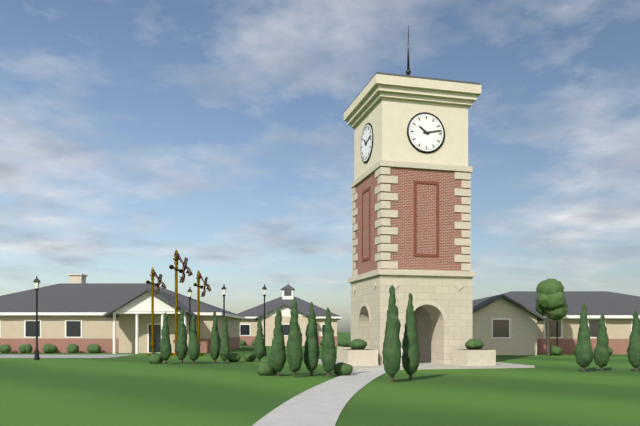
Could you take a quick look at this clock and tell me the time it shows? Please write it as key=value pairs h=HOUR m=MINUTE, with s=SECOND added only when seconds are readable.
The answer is h=10 m=13
